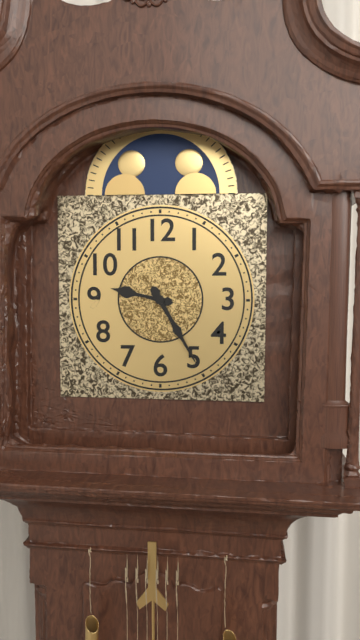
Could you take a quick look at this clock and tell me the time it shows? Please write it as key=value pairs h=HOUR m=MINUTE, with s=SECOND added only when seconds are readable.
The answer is h=9 m=25
